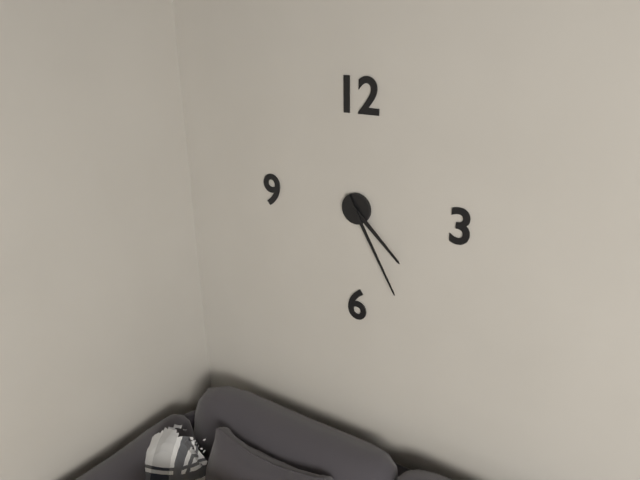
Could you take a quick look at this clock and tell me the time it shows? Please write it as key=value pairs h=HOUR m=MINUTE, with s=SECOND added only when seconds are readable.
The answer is h=4 m=25
